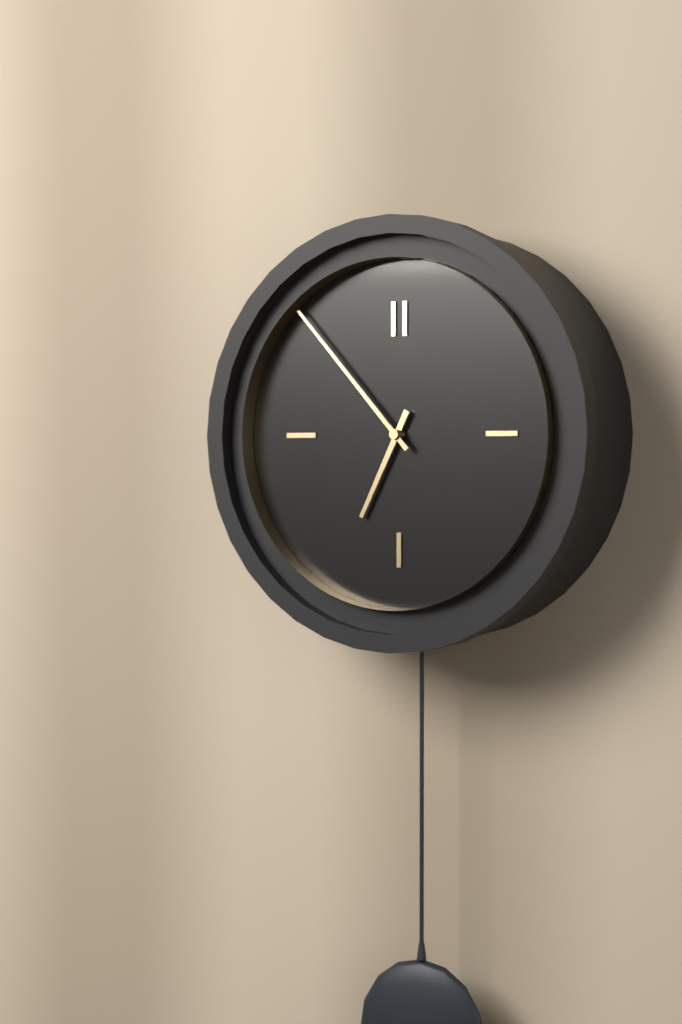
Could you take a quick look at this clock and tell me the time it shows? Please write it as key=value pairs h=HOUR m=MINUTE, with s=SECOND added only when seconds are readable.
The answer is h=6 m=53
